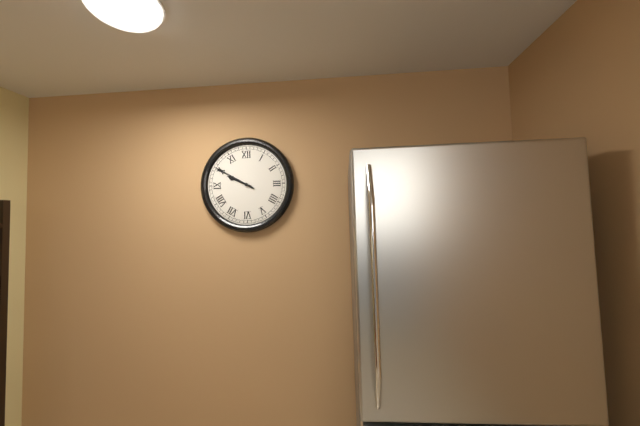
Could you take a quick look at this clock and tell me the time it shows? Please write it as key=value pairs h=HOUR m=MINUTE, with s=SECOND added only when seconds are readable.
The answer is h=9 m=50
